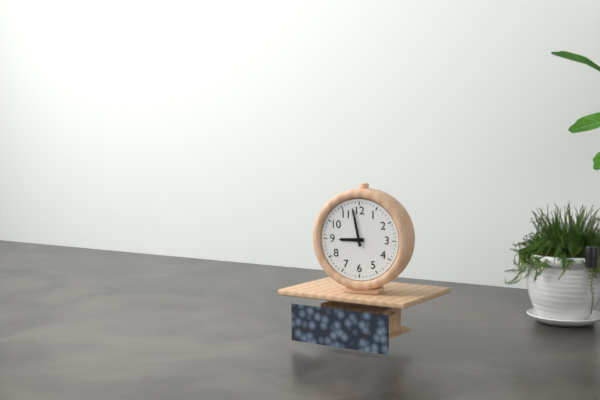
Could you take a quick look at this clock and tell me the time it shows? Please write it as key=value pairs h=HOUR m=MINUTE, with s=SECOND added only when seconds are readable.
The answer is h=8 m=58
